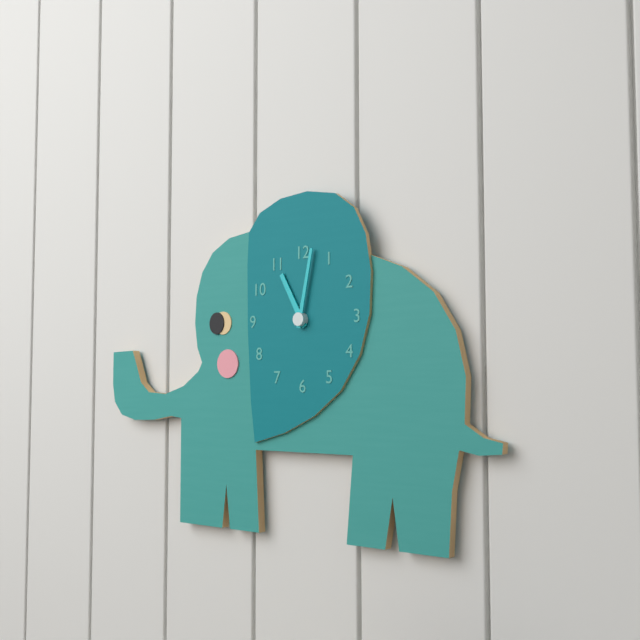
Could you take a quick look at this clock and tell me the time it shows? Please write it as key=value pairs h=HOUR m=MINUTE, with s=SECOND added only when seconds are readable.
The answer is h=11 m=2
